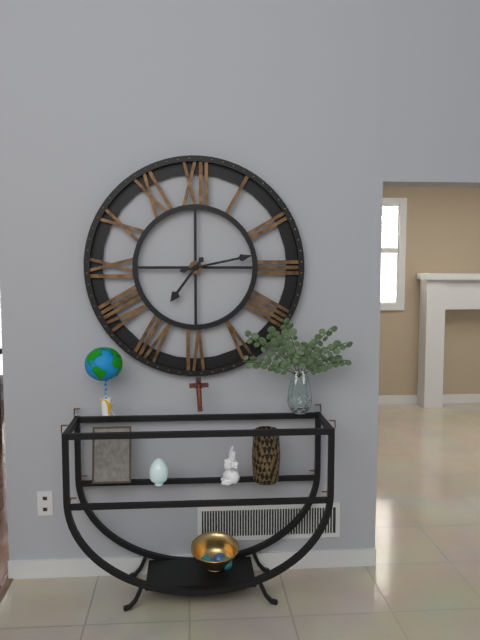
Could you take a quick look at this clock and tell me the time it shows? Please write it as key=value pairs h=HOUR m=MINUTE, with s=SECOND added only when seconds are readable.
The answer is h=7 m=13
